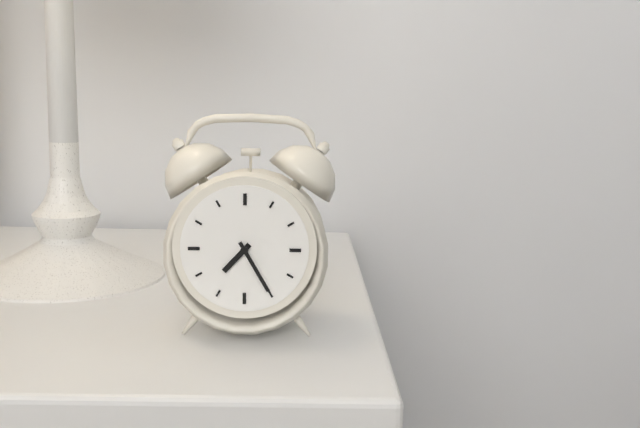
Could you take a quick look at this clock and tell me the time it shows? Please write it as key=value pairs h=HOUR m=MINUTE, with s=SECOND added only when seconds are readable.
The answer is h=7 m=25
